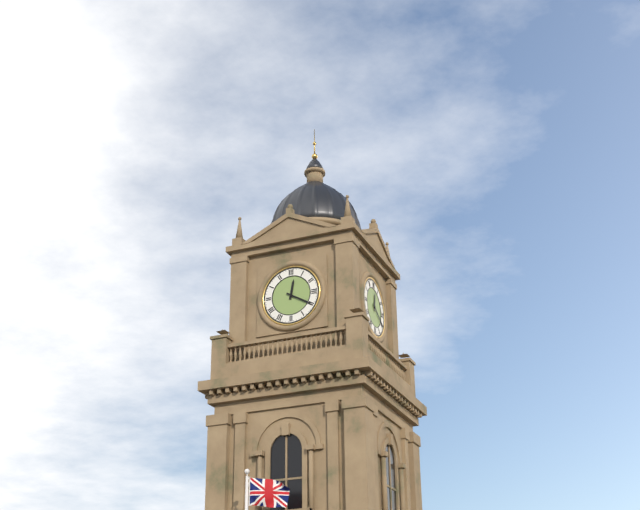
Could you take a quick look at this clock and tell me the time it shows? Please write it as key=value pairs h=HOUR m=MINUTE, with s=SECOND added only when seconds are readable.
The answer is h=12 m=20
